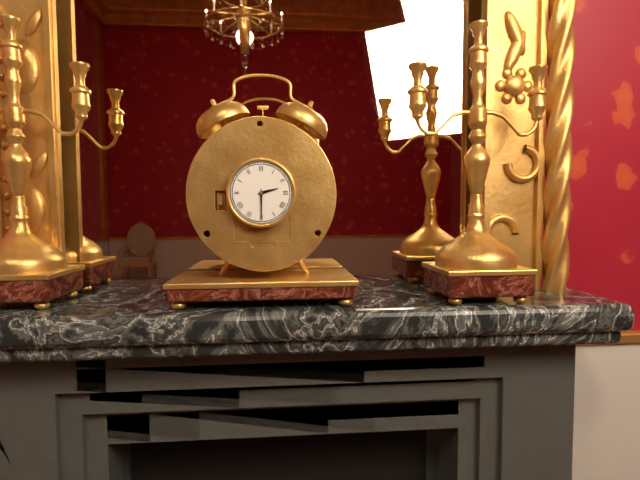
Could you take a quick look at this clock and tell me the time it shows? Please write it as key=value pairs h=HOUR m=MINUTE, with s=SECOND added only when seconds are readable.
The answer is h=2 m=30
